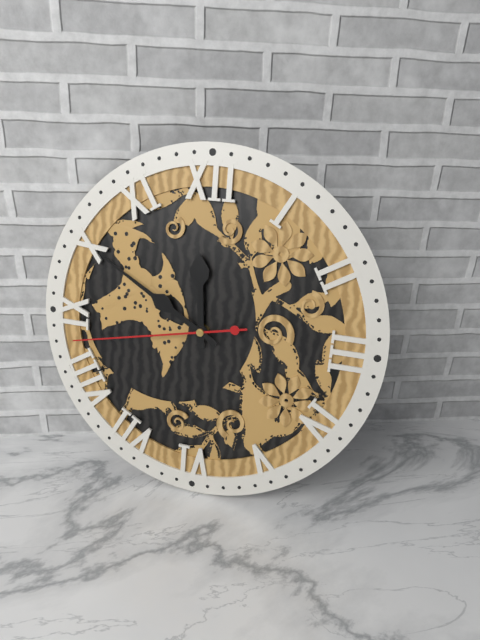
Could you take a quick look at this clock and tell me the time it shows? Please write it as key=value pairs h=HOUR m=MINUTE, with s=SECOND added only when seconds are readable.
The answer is h=11 m=50 s=43
